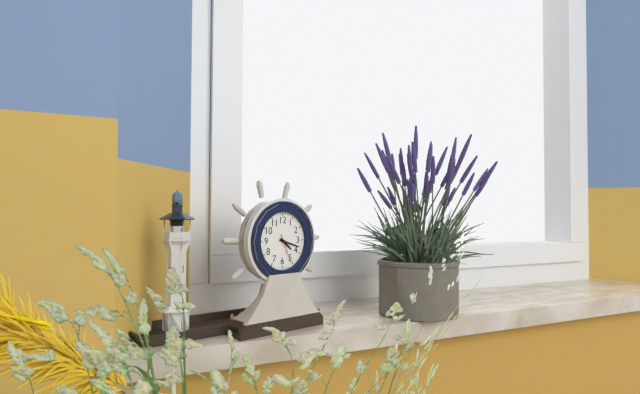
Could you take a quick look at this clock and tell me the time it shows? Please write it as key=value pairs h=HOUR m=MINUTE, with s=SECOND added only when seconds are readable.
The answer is h=4 m=18
